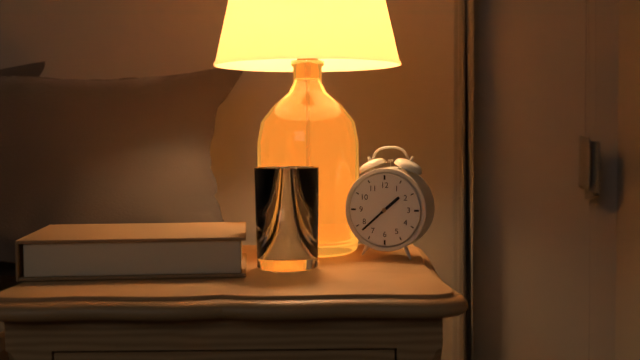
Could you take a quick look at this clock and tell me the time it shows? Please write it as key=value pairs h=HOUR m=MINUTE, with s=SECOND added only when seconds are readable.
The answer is h=1 m=38
